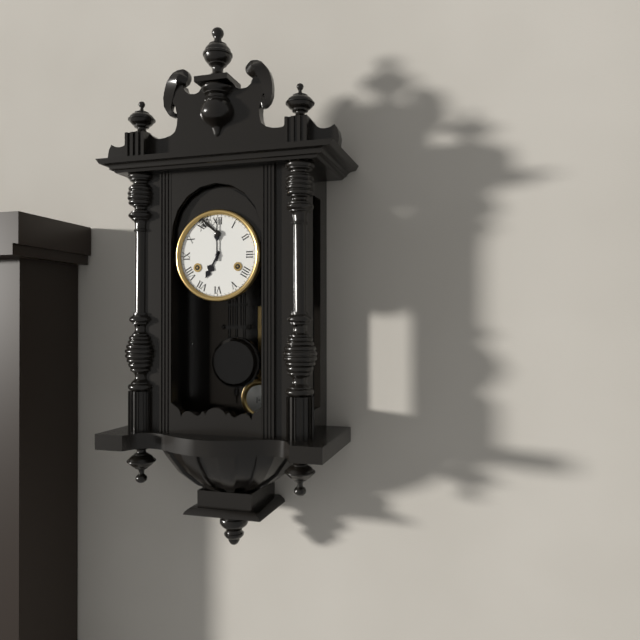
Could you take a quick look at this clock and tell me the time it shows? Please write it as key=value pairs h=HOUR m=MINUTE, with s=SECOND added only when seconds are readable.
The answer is h=7 m=0
